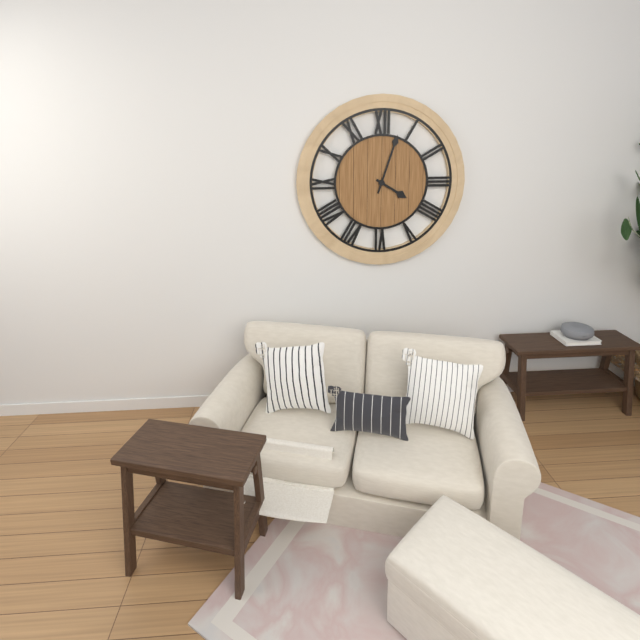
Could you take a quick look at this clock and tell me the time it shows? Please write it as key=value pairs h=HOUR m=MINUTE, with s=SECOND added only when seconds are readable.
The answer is h=4 m=3
